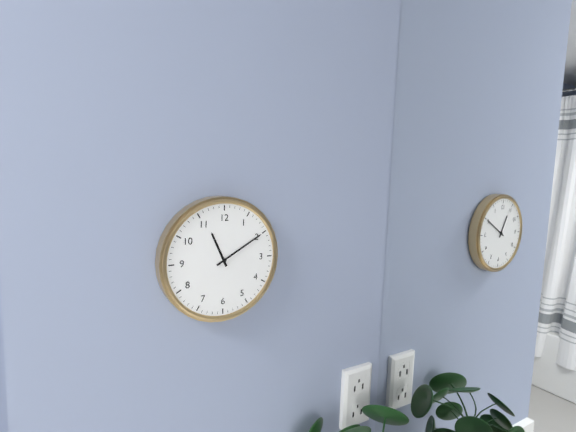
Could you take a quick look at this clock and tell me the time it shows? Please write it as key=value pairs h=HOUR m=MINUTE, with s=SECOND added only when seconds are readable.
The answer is h=11 m=10
